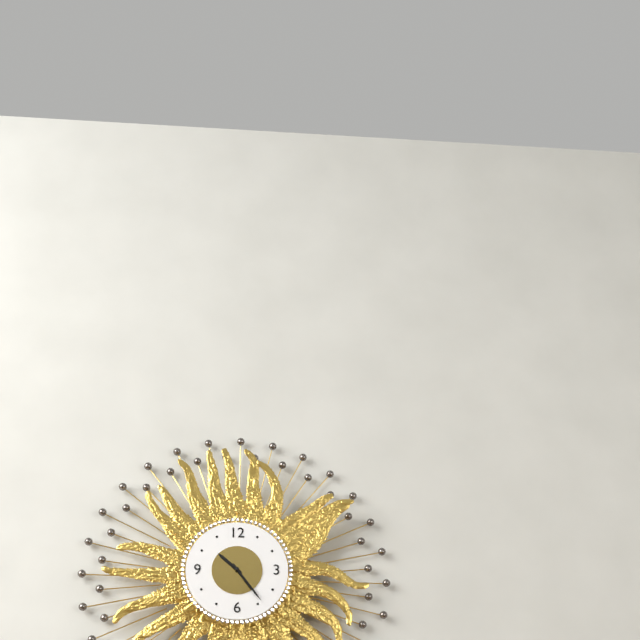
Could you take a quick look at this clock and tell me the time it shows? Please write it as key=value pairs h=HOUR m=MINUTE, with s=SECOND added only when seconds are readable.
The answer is h=10 m=24
